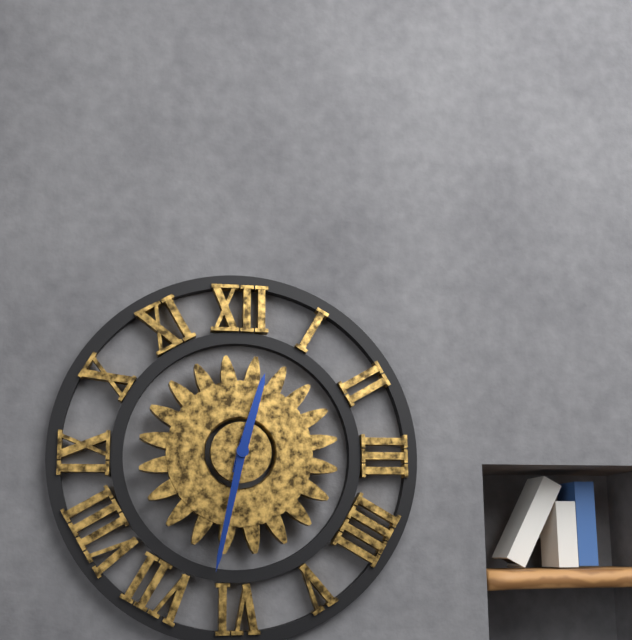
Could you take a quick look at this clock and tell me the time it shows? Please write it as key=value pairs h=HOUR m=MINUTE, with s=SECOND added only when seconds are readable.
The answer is h=12 m=32
